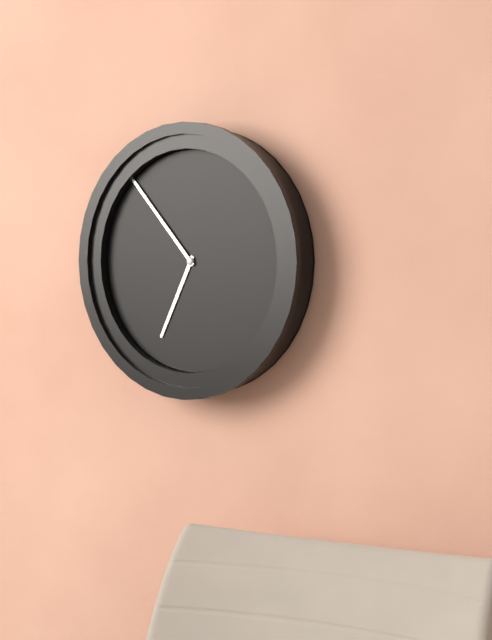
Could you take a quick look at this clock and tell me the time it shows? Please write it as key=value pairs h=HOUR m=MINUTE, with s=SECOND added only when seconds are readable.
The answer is h=6 m=53
